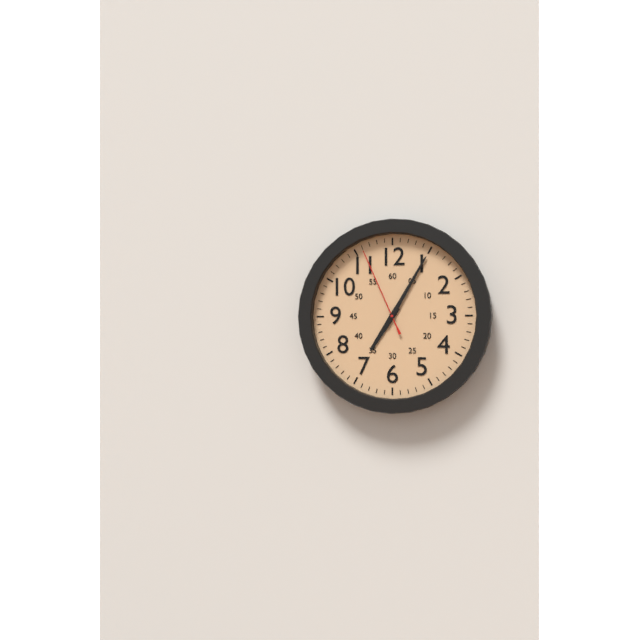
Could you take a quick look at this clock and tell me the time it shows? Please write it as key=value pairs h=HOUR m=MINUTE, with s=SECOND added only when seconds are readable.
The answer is h=7 m=5 s=56
